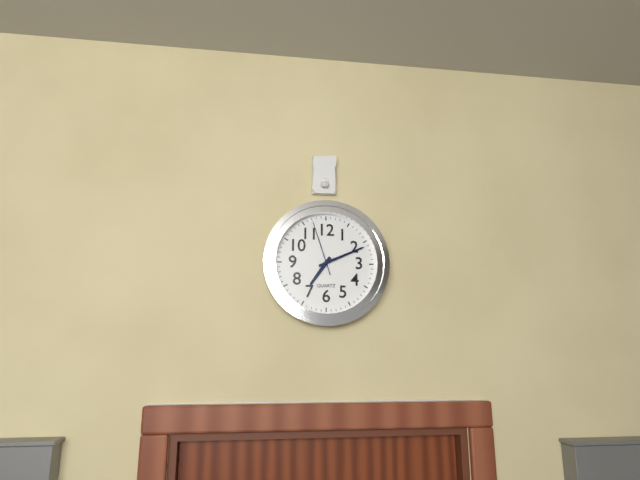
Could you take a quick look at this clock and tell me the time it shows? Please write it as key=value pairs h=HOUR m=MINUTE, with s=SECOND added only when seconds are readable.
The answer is h=7 m=11 s=57
